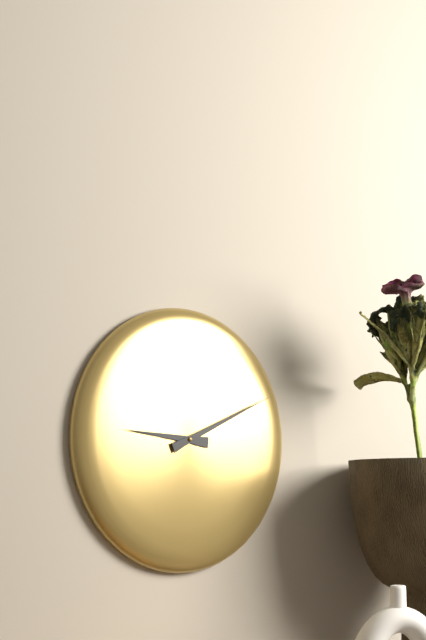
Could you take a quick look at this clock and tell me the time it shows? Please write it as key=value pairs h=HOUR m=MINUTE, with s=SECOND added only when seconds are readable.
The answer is h=9 m=11
